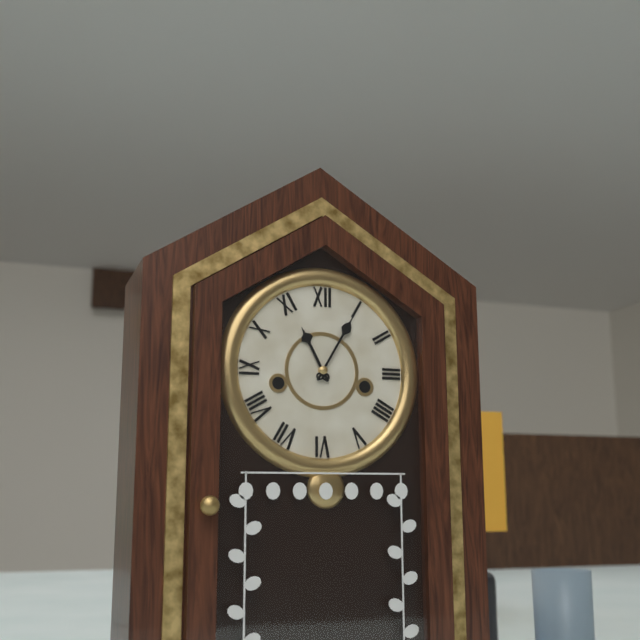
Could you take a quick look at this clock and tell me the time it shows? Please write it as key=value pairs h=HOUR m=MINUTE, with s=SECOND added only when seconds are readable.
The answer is h=11 m=5
